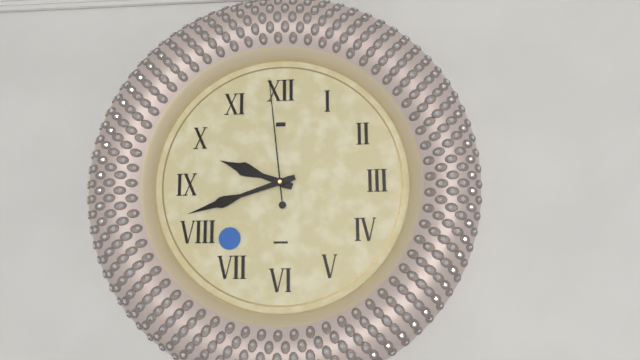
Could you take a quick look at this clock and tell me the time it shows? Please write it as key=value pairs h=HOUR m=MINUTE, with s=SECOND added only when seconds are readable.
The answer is h=9 m=42 s=59
